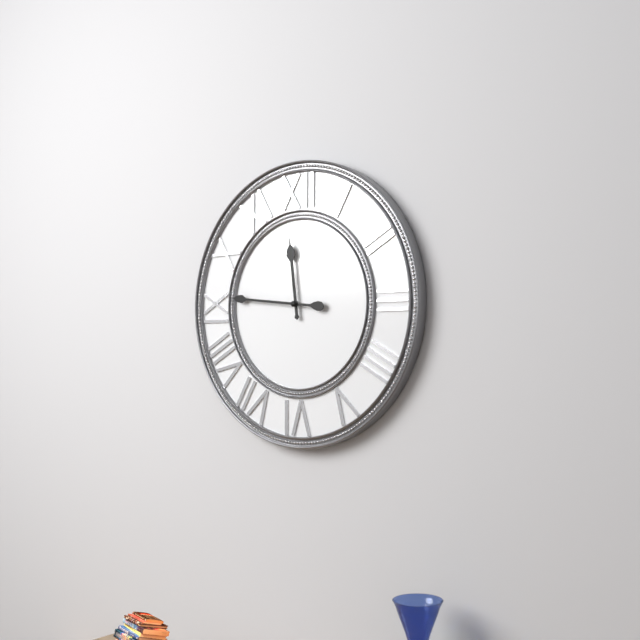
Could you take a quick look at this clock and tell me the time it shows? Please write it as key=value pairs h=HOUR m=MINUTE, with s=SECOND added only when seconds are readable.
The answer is h=11 m=46
